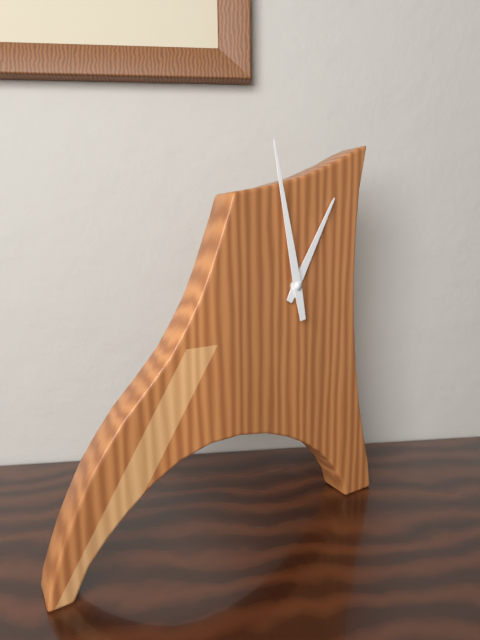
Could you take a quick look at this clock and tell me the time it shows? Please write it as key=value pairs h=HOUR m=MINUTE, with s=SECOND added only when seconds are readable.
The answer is h=12 m=58
